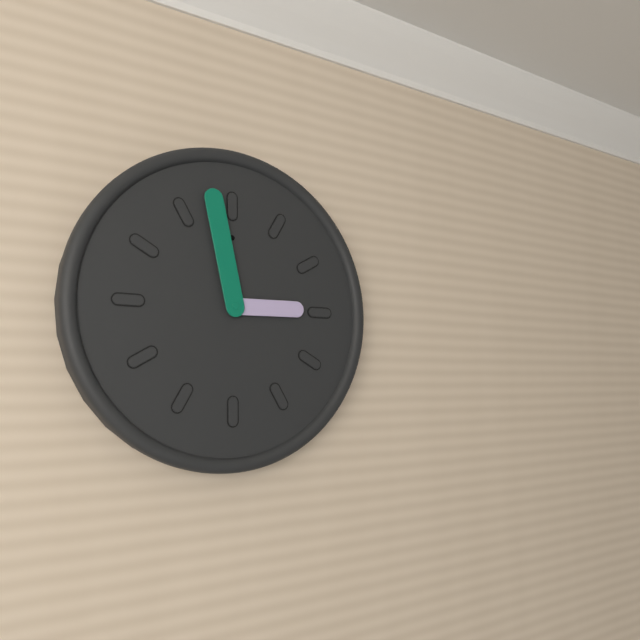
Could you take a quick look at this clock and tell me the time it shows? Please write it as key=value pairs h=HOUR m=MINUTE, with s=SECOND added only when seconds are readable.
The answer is h=2 m=58
